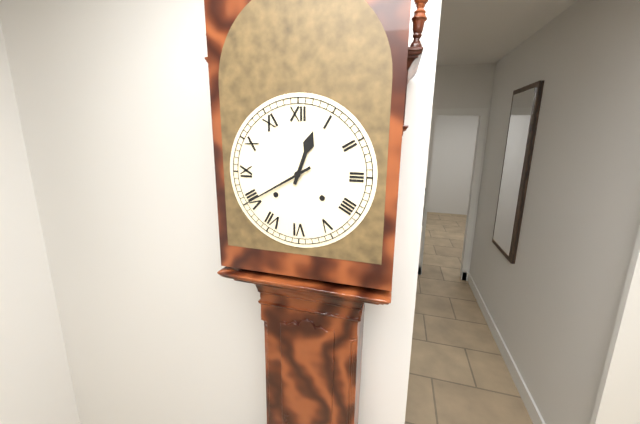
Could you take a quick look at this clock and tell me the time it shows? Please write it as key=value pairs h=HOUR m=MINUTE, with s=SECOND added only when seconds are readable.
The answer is h=12 m=40
